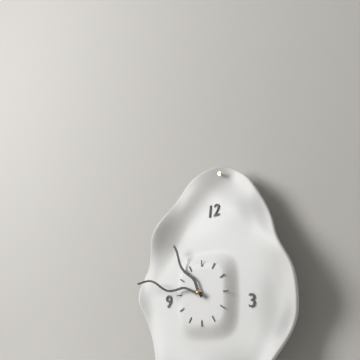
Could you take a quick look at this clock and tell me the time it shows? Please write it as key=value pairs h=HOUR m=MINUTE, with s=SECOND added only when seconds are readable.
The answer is h=10 m=47
